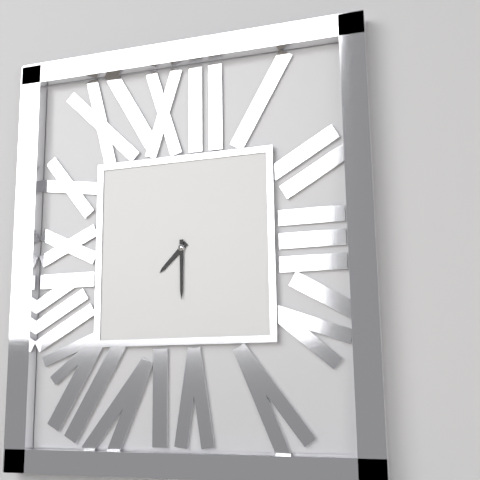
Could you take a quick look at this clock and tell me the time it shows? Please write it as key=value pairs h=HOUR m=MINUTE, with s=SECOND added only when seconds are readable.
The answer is h=7 m=30
